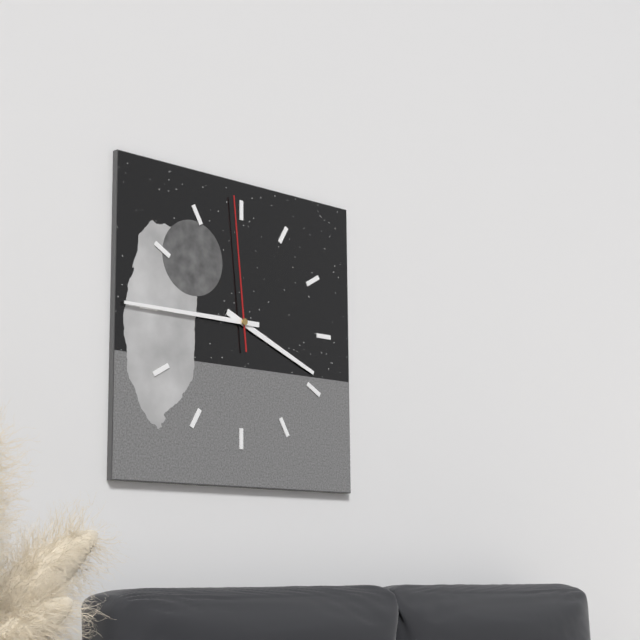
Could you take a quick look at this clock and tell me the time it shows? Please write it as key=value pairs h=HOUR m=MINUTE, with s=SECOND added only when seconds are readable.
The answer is h=3 m=45 s=59
